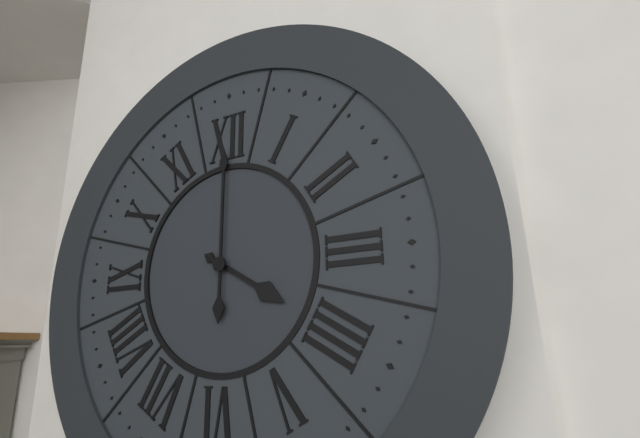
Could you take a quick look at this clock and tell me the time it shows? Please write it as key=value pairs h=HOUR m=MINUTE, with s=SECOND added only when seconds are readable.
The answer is h=4 m=0
